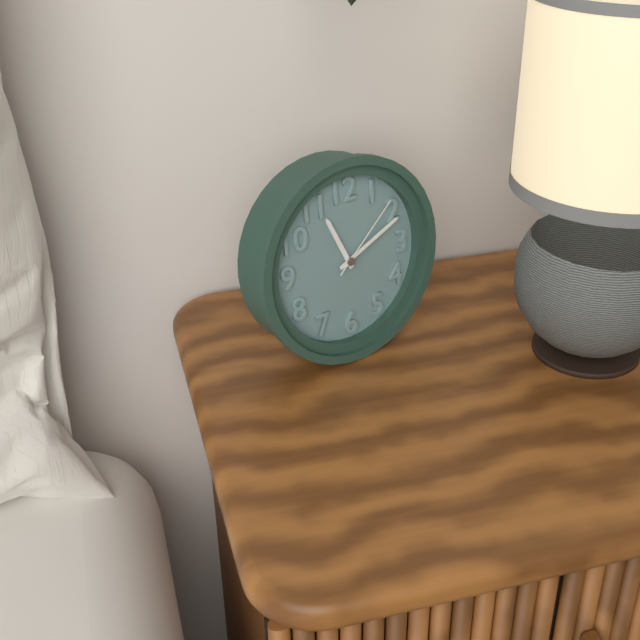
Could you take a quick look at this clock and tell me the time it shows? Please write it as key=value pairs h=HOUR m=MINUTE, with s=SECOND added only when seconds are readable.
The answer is h=11 m=11 s=8
